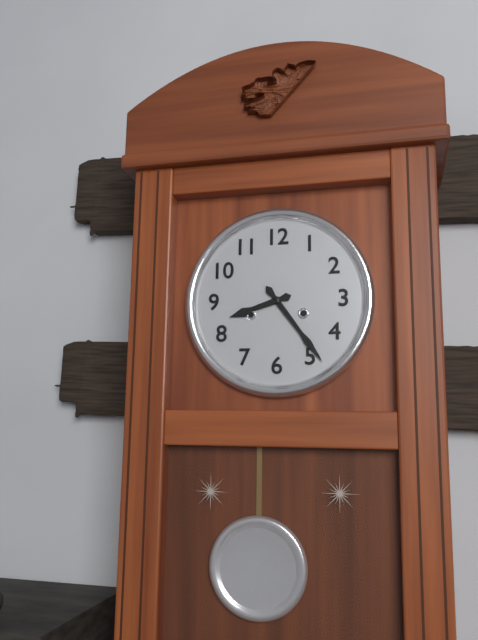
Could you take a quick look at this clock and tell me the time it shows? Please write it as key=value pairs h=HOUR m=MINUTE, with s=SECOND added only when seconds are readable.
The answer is h=8 m=24
